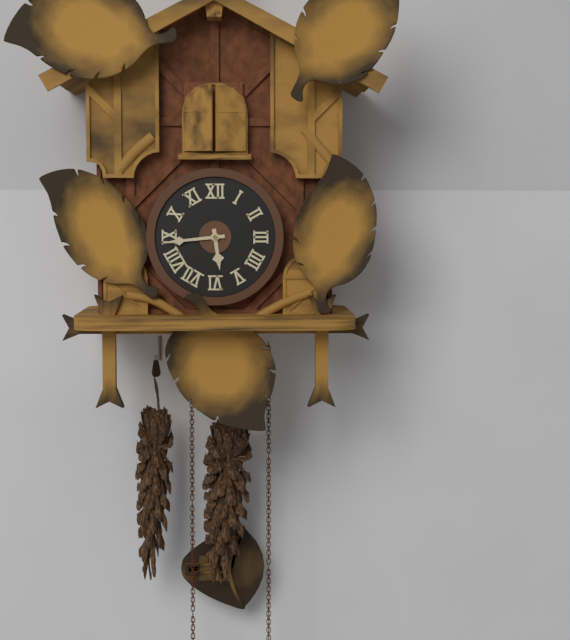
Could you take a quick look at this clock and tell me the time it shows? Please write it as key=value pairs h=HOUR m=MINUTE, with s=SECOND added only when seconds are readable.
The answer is h=5 m=44
